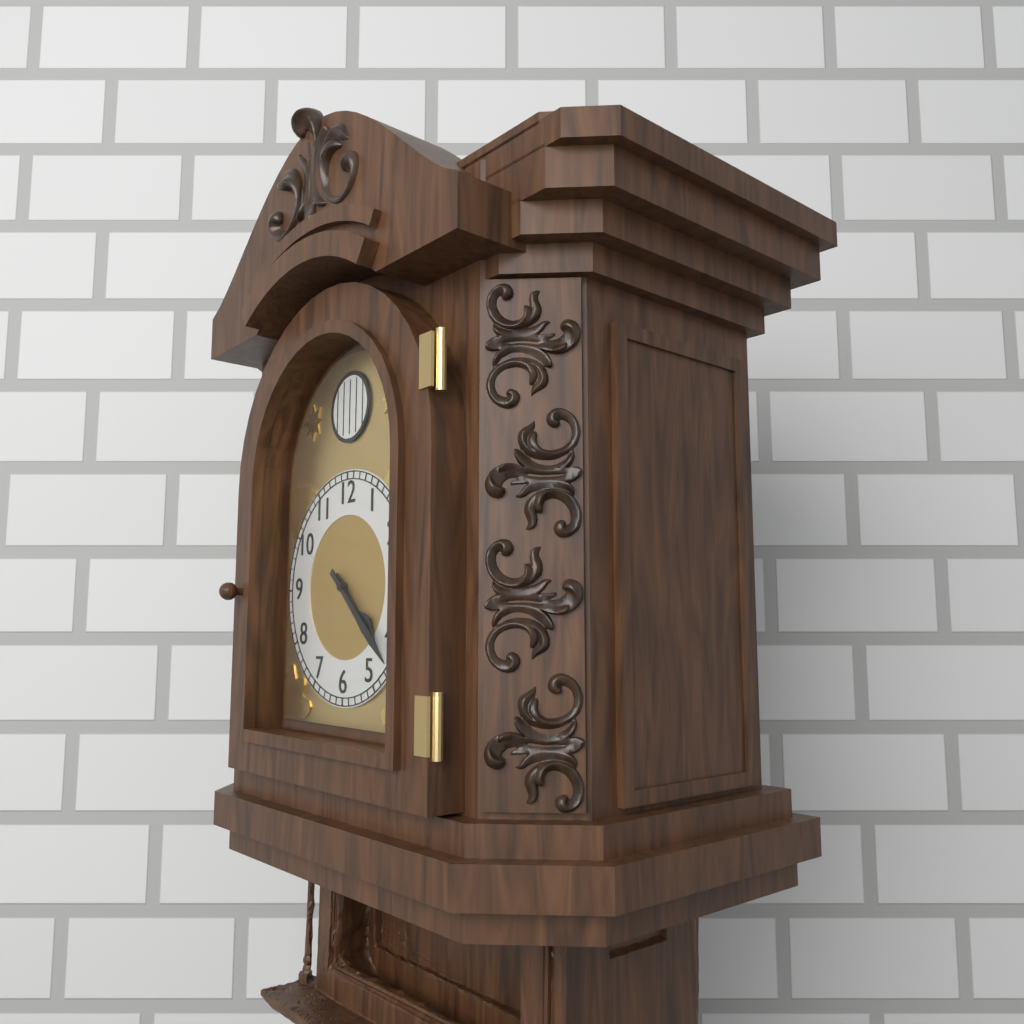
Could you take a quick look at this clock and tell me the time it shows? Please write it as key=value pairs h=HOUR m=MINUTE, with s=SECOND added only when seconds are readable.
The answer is h=4 m=22
